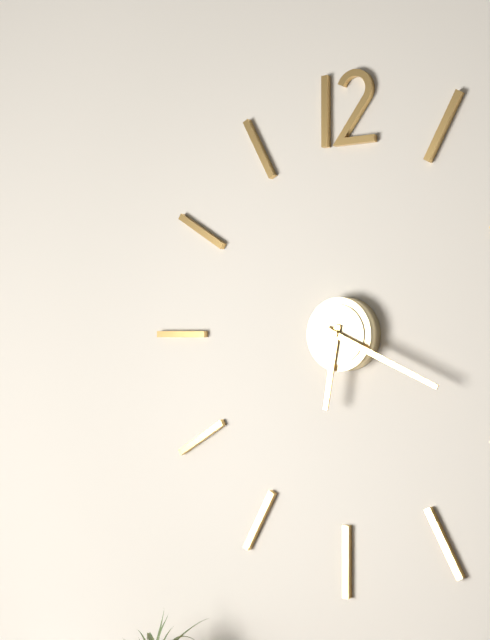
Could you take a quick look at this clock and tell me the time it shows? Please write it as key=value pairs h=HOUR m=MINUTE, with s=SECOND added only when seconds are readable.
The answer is h=6 m=19
